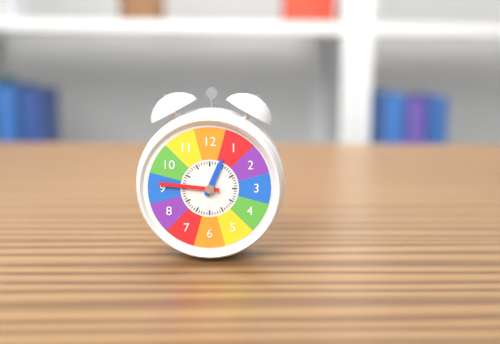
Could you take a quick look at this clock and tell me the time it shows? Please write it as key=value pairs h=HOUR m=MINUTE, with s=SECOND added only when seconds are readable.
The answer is h=12 m=46
